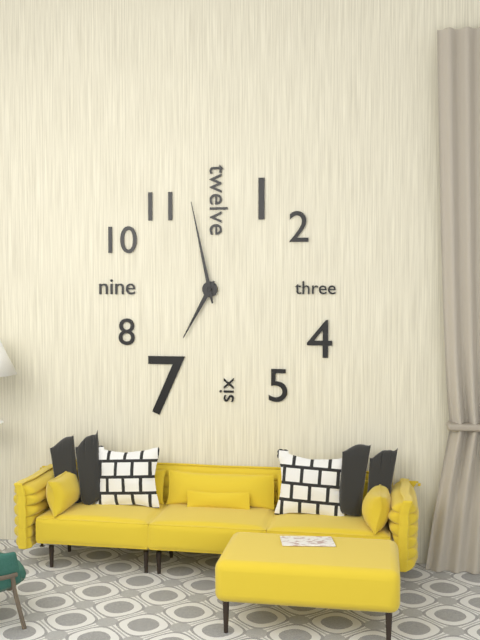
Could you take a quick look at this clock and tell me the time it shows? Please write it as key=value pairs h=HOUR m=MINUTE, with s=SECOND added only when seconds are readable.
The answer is h=6 m=58
